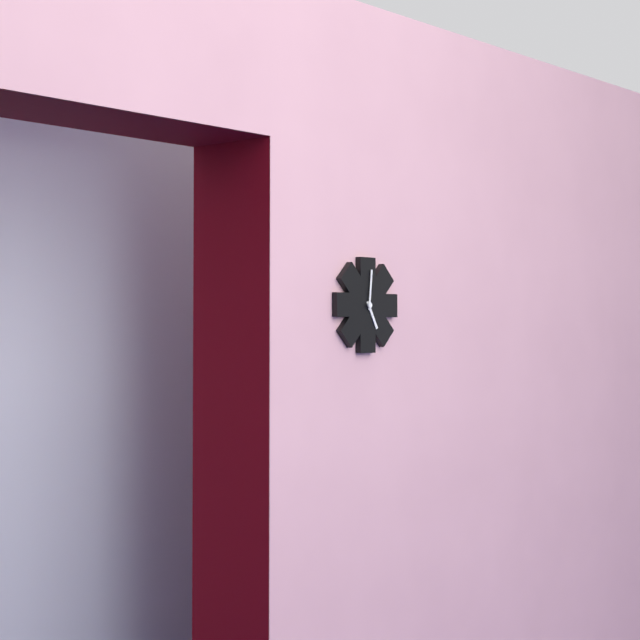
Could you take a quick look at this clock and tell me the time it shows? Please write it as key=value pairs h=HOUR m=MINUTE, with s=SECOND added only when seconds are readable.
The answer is h=5 m=1
